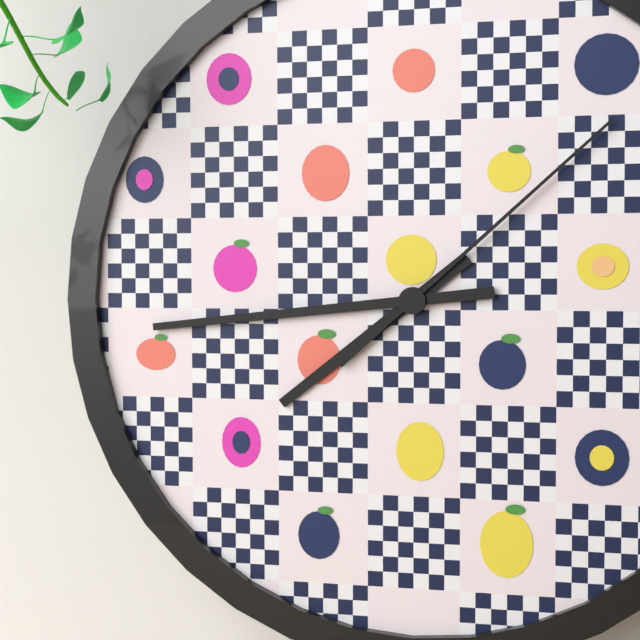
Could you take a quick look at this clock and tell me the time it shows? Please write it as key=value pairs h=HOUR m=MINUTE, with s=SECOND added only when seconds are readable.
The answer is h=7 m=44 s=8
